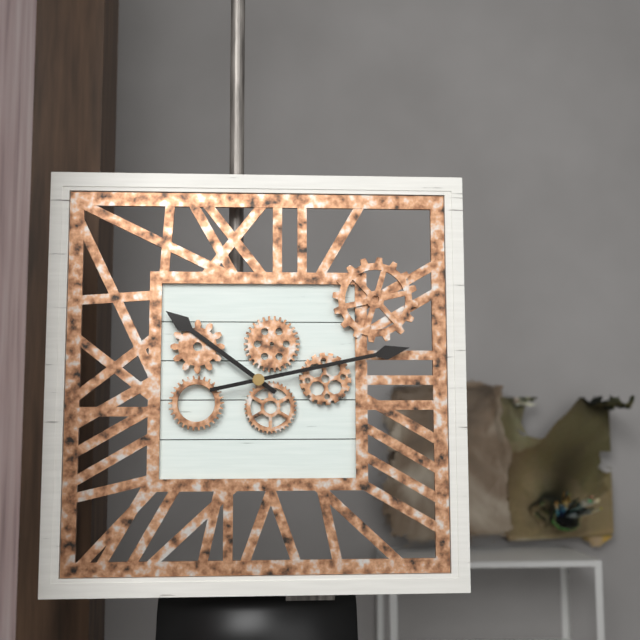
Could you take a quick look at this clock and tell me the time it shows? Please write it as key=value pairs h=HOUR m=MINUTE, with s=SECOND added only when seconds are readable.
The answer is h=10 m=13
